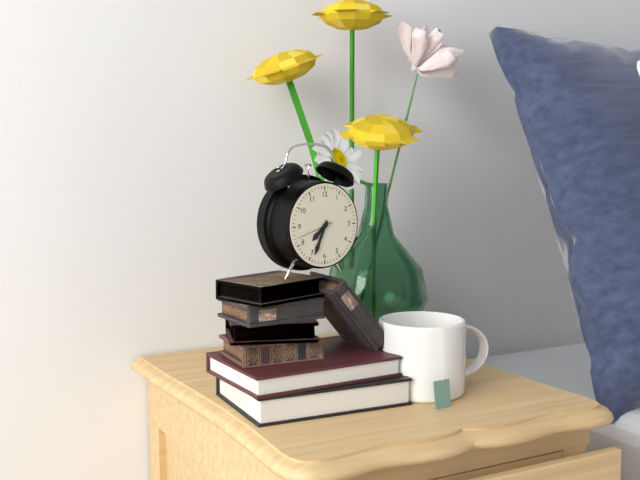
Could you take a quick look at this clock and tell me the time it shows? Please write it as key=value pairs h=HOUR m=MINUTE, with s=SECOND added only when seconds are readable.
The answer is h=7 m=34
